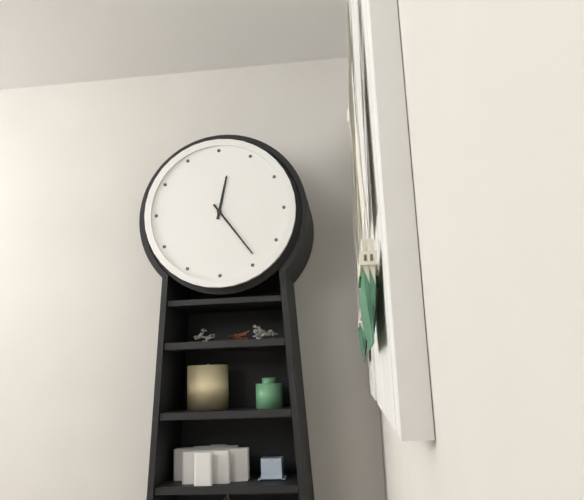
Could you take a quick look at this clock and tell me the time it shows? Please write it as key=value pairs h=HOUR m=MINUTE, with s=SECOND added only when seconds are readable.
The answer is h=12 m=24
